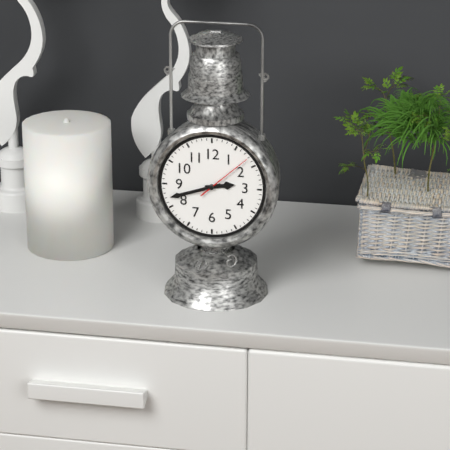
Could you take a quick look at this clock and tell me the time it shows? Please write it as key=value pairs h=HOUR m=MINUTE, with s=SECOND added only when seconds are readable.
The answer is h=2 m=42 s=8
